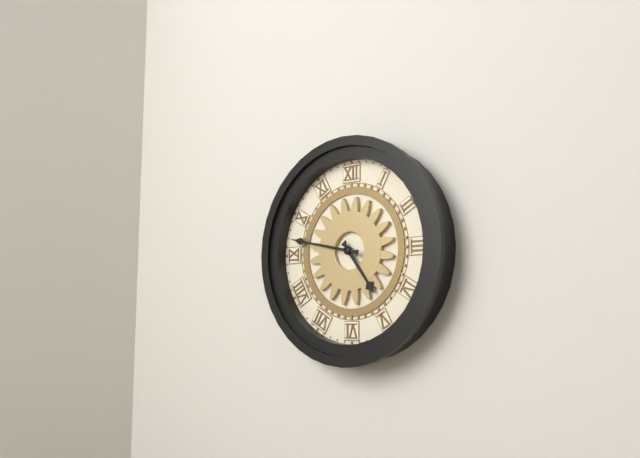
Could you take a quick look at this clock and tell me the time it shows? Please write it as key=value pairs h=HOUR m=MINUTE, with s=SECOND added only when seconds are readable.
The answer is h=4 m=47
